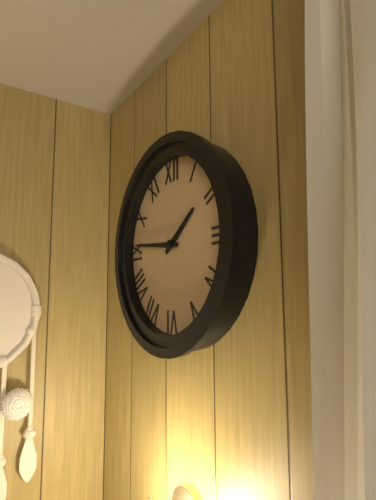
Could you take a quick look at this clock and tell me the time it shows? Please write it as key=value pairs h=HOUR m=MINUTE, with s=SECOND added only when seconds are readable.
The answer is h=1 m=46
